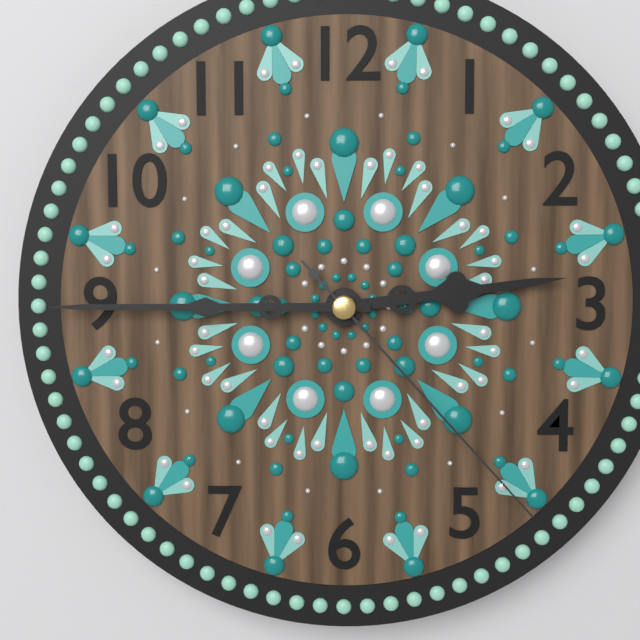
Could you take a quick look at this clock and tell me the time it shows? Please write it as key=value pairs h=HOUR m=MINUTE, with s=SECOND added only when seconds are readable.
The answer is h=2 m=45 s=23
